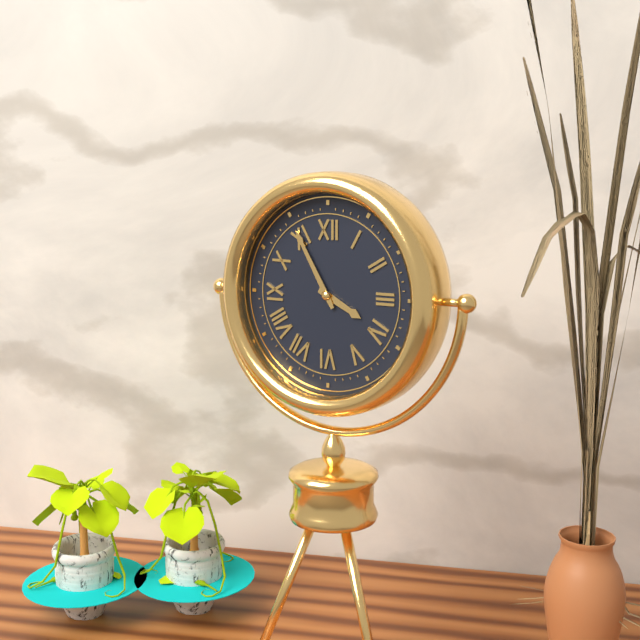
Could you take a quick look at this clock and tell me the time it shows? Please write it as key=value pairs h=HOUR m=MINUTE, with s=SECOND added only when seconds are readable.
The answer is h=3 m=55
